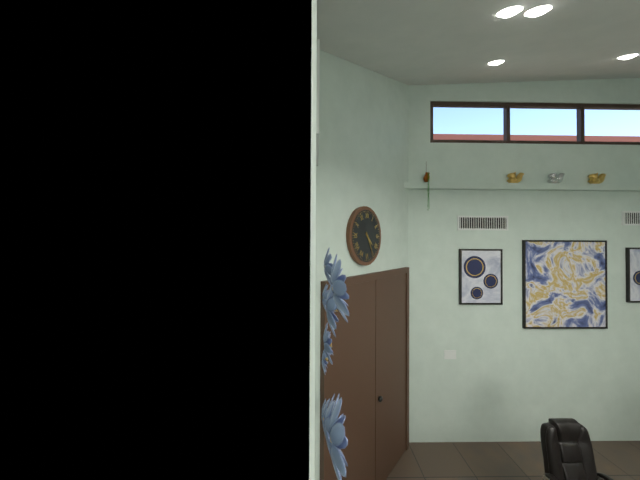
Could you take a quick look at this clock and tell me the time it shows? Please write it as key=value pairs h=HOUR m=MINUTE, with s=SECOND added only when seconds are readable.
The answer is h=4 m=25
